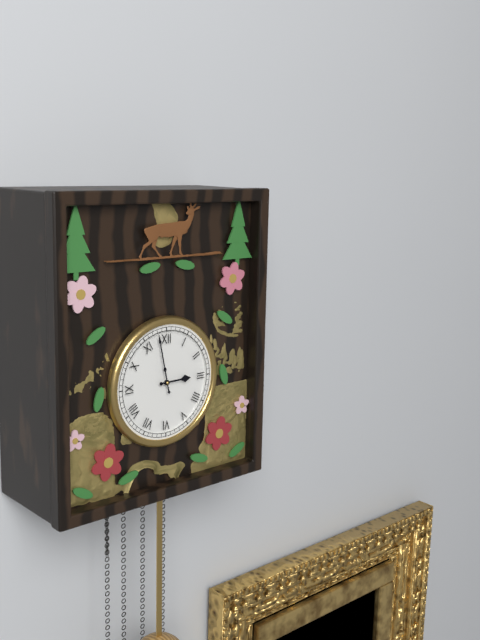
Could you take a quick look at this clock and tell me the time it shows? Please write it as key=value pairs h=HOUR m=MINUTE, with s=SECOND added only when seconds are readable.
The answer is h=2 m=58
